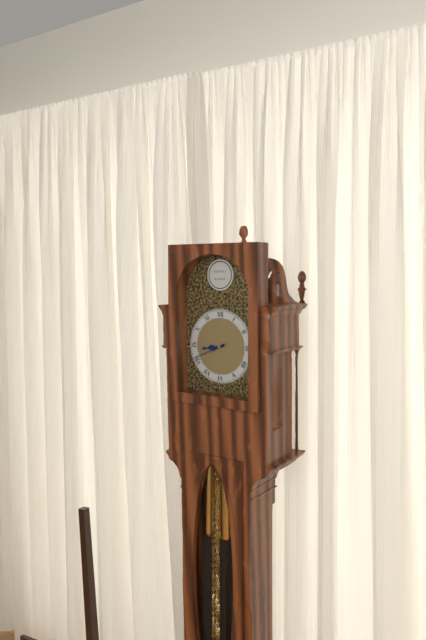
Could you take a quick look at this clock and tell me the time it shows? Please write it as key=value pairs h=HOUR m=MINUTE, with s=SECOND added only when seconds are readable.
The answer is h=8 m=41
